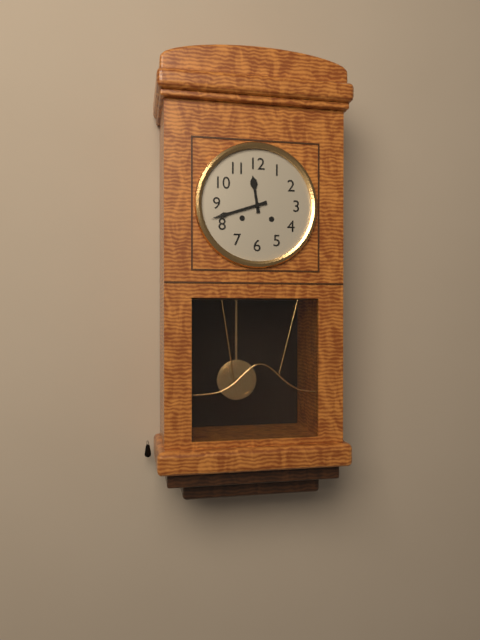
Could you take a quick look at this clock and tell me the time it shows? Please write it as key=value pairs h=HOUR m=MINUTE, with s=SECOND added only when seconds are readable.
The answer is h=11 m=42
